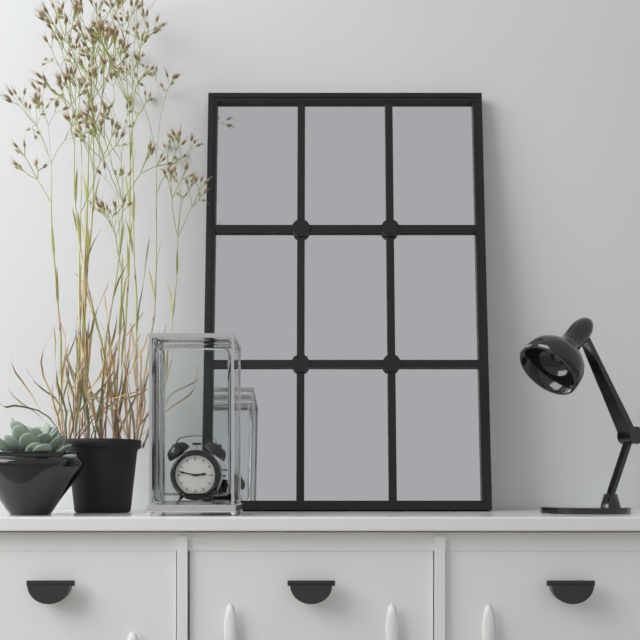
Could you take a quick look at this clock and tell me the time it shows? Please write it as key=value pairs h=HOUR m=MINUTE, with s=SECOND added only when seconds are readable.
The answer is h=2 m=47
